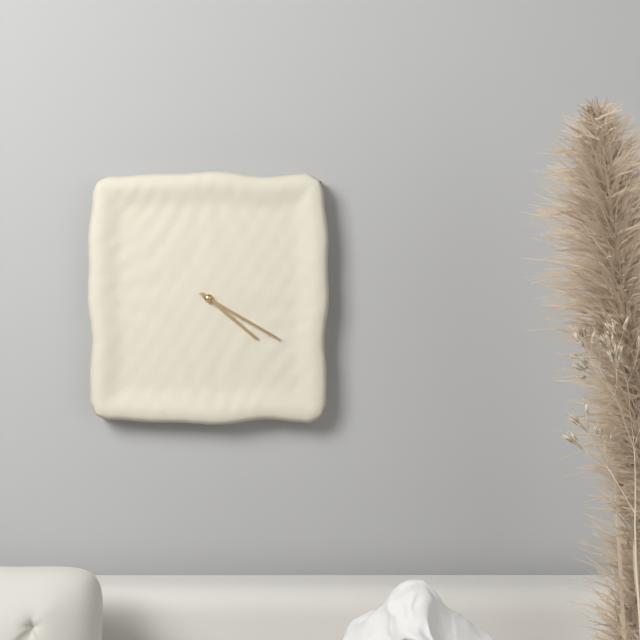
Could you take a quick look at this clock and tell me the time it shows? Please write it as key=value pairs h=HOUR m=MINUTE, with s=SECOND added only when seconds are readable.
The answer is h=4 m=20
